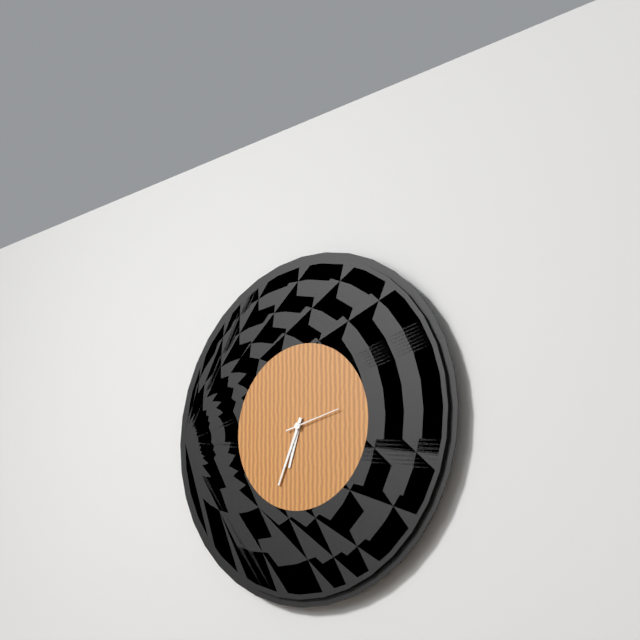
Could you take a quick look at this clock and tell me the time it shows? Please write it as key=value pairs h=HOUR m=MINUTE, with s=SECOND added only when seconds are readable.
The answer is h=6 m=34 s=13
